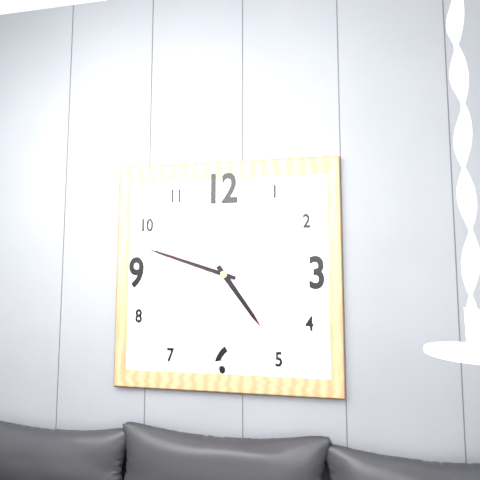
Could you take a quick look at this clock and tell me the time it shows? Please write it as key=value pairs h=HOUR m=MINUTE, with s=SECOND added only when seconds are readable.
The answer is h=4 m=48
